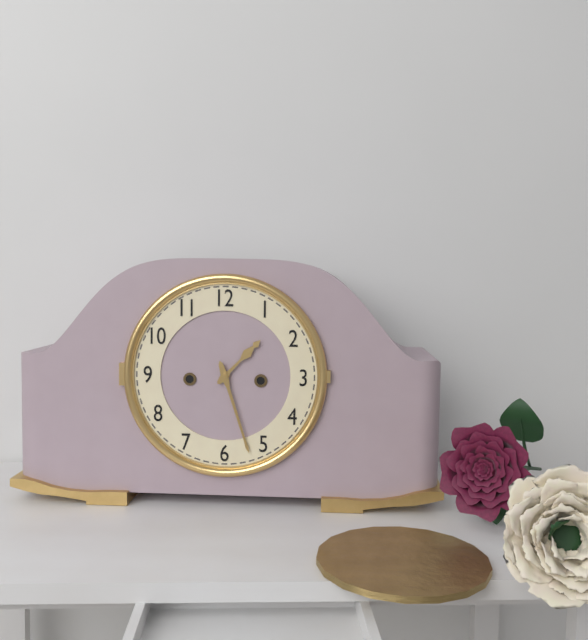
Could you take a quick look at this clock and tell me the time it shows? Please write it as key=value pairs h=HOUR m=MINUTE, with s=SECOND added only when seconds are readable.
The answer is h=1 m=27
